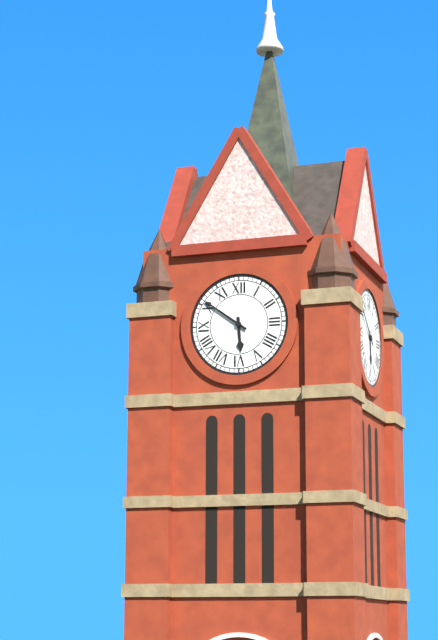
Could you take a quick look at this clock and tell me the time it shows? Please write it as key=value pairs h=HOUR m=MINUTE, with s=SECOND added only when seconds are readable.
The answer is h=5 m=51
